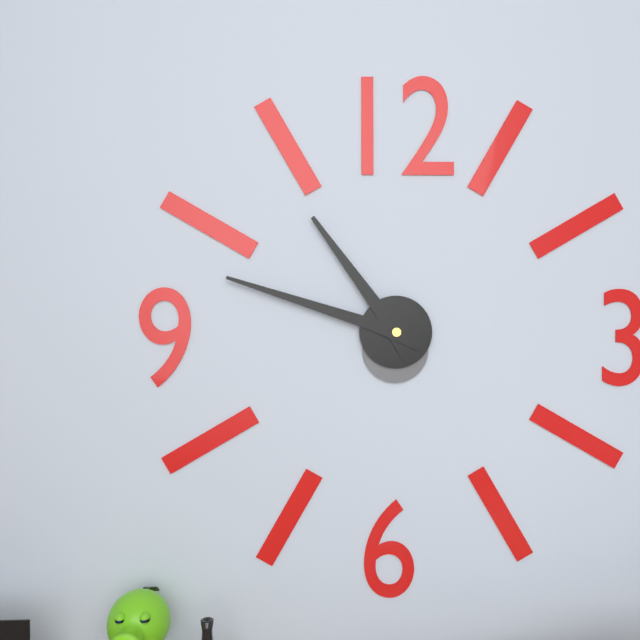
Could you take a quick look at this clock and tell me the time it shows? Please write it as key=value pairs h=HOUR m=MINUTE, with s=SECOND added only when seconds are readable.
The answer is h=10 m=48
